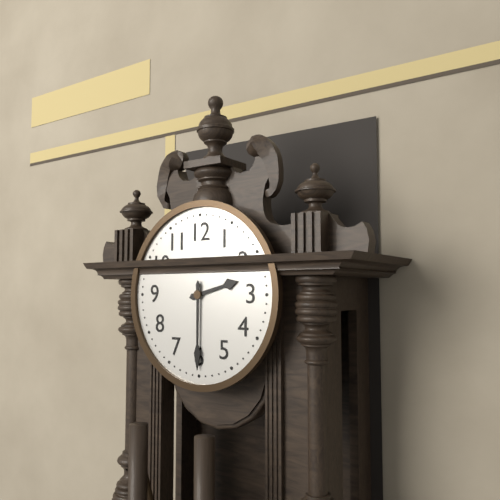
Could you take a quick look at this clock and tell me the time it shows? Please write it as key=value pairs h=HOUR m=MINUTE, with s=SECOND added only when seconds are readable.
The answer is h=2 m=30
